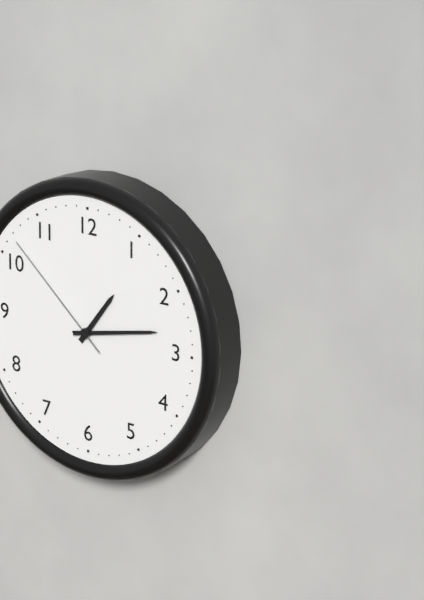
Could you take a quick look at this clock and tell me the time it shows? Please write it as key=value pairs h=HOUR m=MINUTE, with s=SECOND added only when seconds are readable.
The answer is h=1 m=13 s=52
